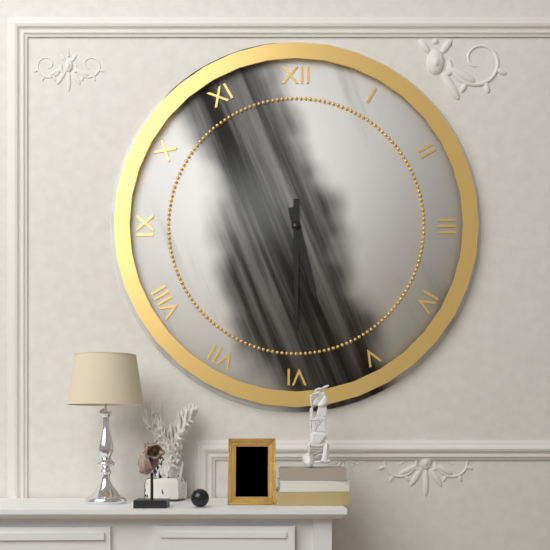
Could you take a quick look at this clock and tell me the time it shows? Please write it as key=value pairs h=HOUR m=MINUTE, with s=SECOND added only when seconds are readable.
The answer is h=5 m=30
